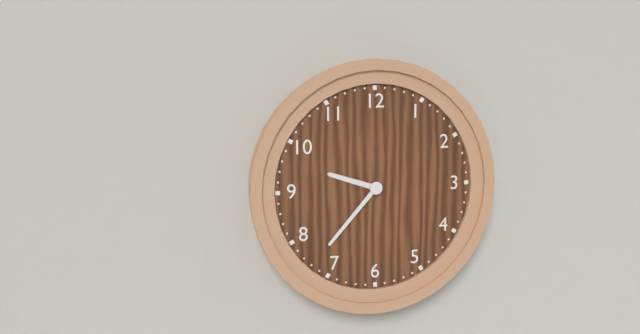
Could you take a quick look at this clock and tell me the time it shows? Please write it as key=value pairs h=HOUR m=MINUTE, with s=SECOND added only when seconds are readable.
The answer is h=9 m=37
